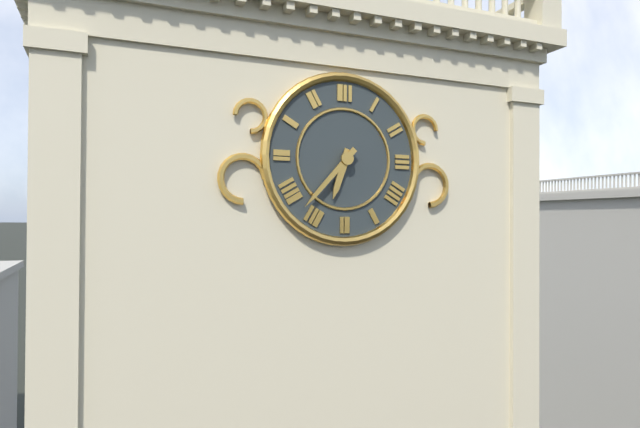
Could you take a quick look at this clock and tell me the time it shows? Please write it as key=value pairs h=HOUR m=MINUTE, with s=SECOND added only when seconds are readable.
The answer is h=6 m=37
